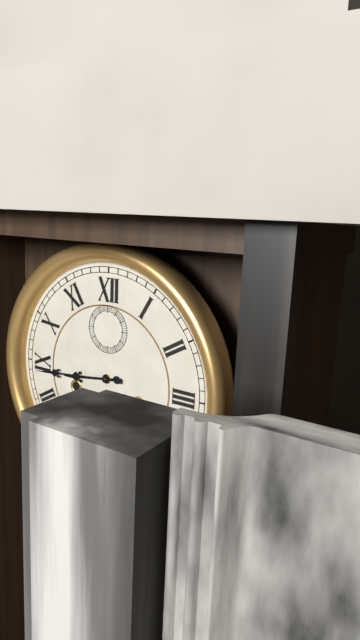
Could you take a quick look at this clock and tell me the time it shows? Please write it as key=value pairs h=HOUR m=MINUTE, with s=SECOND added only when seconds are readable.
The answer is h=8 m=44
